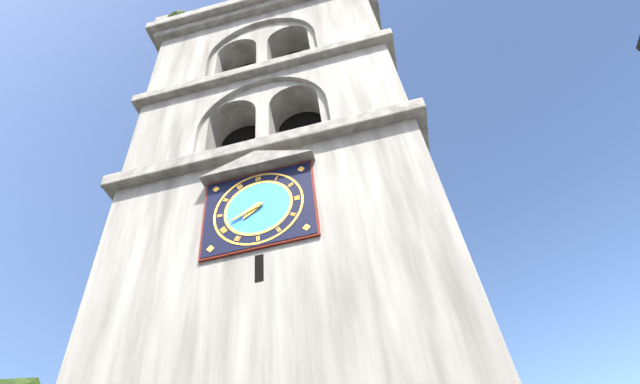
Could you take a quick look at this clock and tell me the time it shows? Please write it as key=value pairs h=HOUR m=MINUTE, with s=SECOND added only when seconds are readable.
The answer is h=7 m=41
